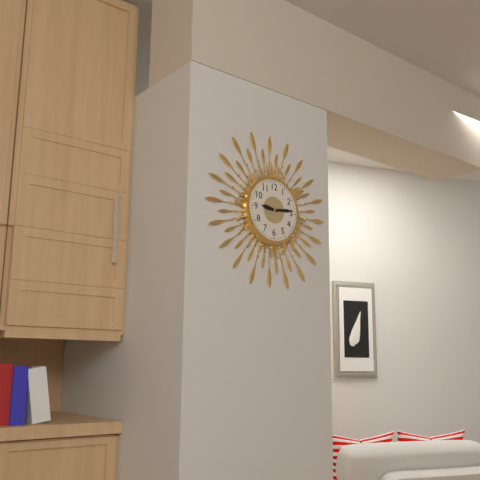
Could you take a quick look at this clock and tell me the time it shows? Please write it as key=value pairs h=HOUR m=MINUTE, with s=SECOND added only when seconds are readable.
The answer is h=9 m=14
